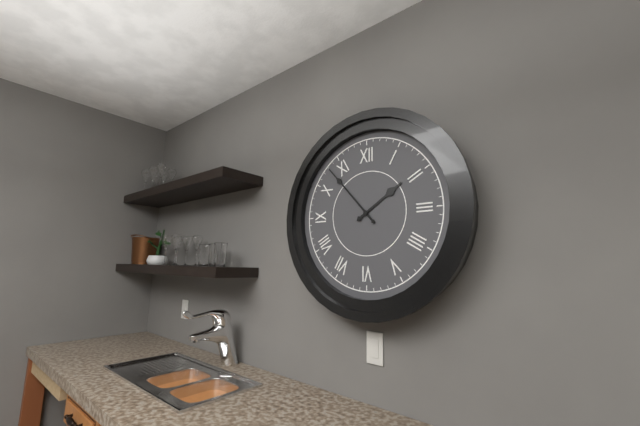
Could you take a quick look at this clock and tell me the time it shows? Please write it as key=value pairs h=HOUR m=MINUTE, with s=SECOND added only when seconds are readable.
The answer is h=1 m=53
